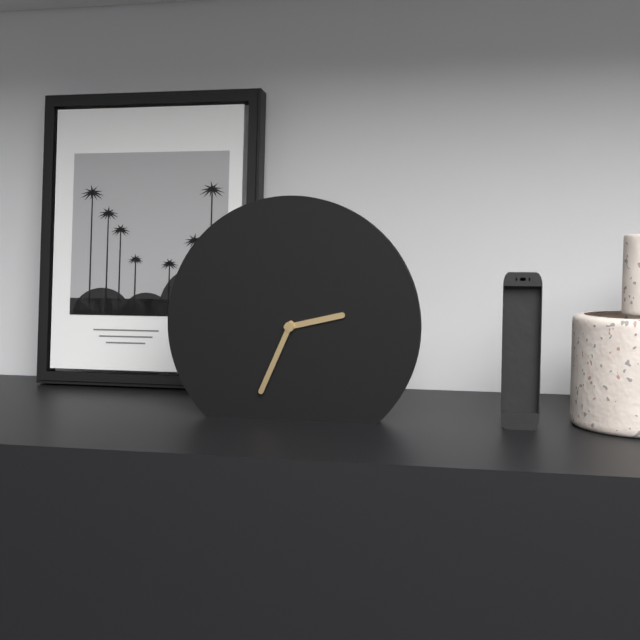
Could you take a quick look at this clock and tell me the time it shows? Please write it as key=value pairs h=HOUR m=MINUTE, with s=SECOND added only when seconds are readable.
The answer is h=2 m=34
